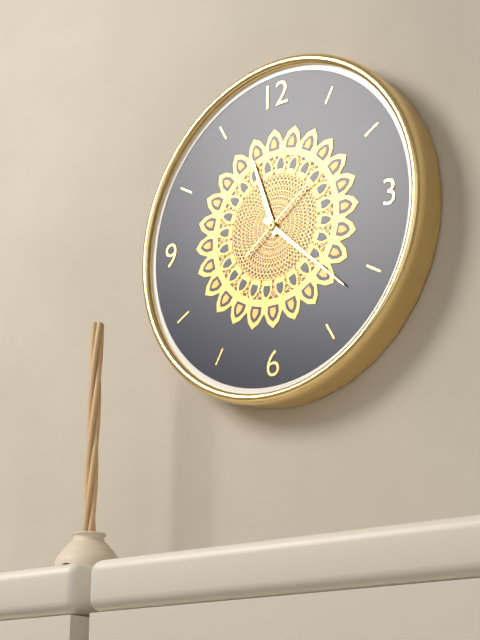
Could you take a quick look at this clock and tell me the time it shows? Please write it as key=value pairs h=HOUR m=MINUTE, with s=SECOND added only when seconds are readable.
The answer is h=11 m=22 s=9
